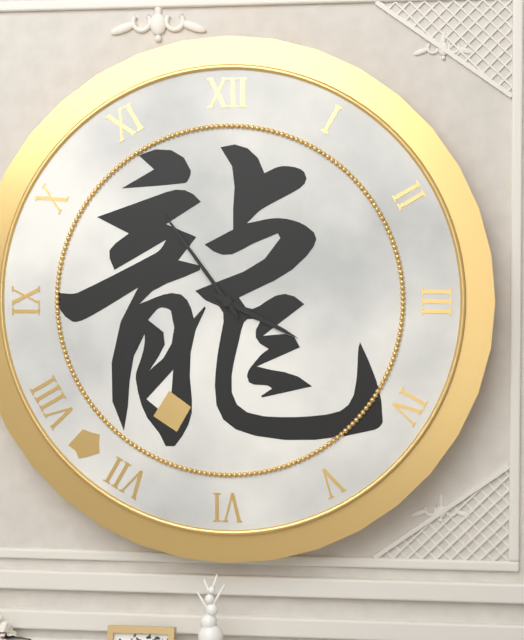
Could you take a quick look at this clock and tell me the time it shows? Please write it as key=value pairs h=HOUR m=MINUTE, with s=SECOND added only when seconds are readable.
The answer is h=3 m=54
